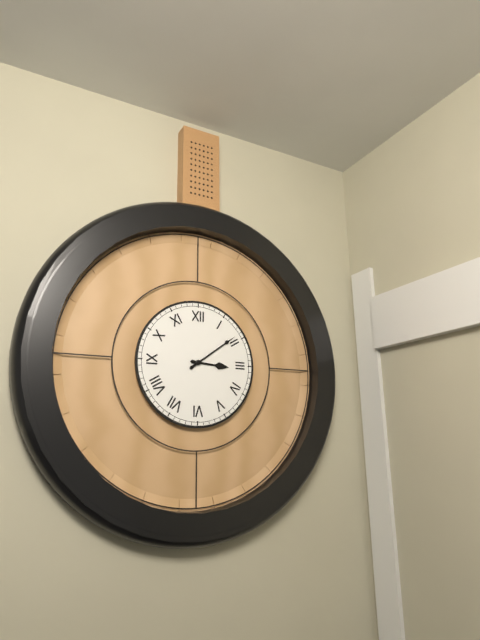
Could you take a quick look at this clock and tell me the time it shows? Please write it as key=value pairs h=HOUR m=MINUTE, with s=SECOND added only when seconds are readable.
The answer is h=3 m=9
